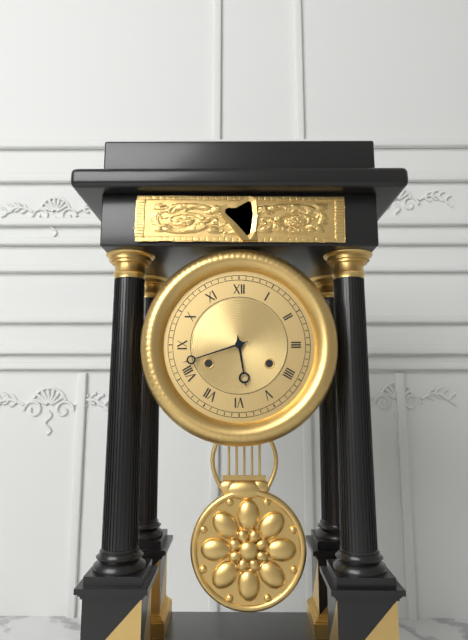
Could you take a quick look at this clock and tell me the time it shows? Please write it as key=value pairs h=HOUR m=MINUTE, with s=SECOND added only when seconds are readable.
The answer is h=5 m=42
